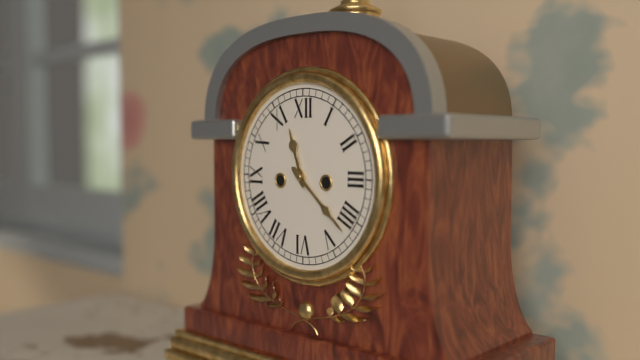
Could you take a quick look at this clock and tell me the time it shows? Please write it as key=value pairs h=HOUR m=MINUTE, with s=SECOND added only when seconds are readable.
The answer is h=11 m=22
